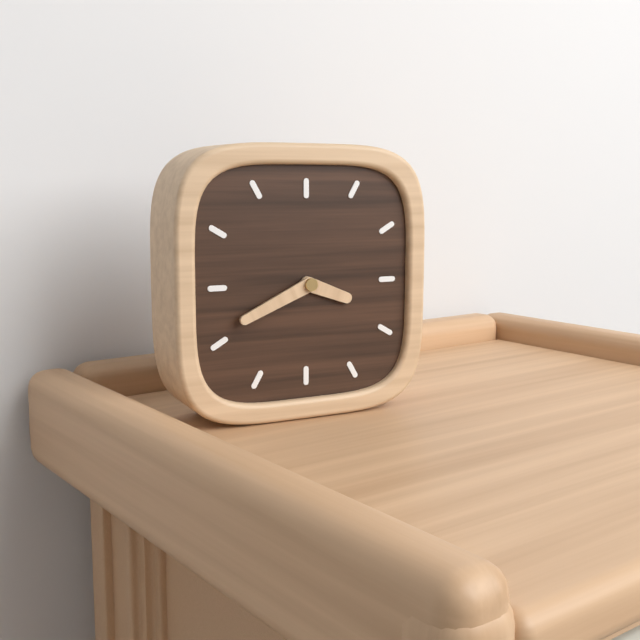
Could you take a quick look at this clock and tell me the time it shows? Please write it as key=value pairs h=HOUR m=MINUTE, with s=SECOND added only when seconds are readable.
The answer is h=3 m=41
